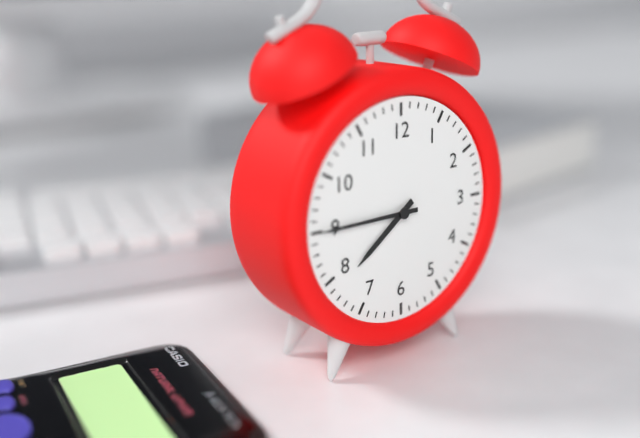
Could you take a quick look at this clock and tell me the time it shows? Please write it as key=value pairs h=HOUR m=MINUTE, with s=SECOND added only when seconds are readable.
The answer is h=7 m=45
